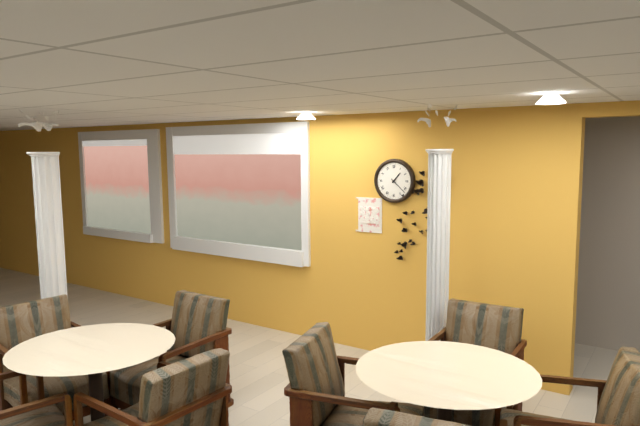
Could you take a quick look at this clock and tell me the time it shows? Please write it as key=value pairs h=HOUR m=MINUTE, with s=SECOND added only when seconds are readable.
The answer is h=1 m=22
